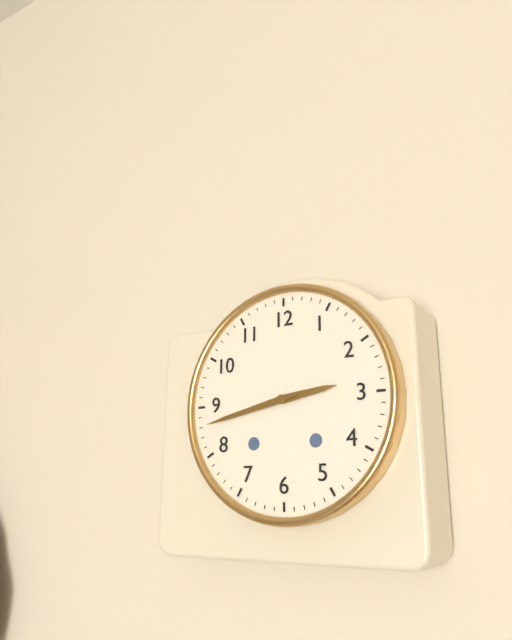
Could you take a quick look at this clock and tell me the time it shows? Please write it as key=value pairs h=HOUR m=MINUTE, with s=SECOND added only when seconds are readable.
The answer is h=2 m=43
